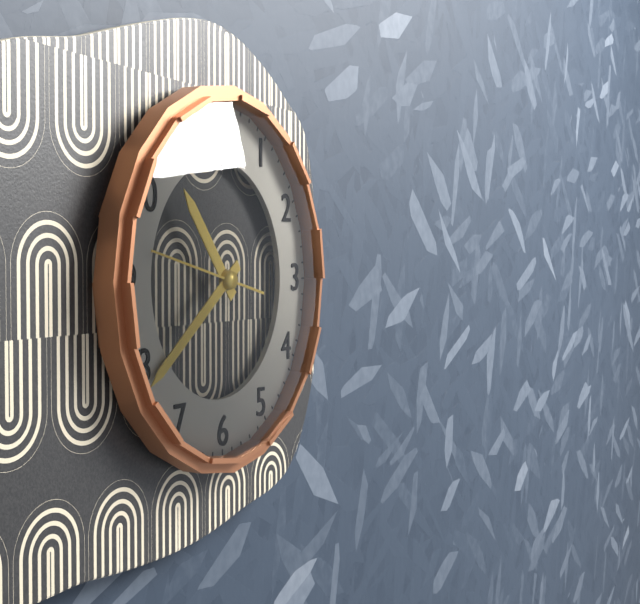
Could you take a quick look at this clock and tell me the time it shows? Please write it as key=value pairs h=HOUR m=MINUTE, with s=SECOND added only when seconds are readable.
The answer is h=10 m=39 s=47
